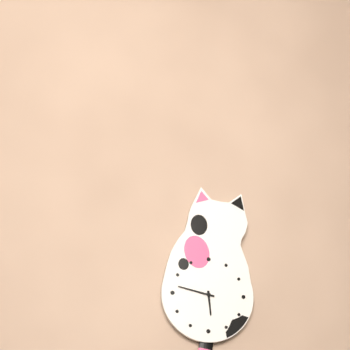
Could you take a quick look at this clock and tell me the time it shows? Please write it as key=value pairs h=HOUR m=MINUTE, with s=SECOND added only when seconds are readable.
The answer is h=5 m=47
